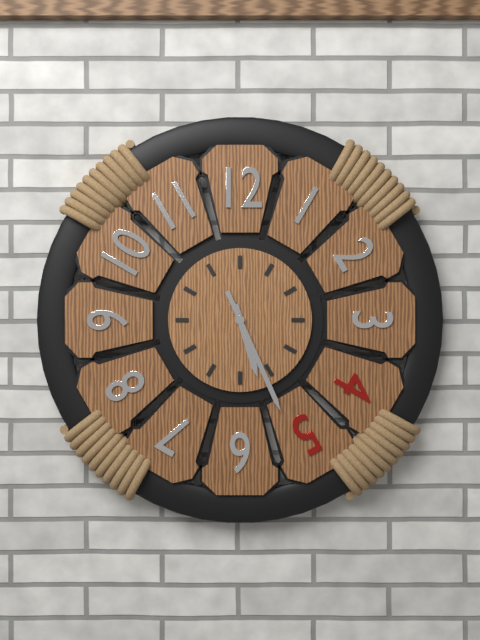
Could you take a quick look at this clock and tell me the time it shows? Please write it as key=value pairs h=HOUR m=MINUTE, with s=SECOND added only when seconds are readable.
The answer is h=5 m=26
